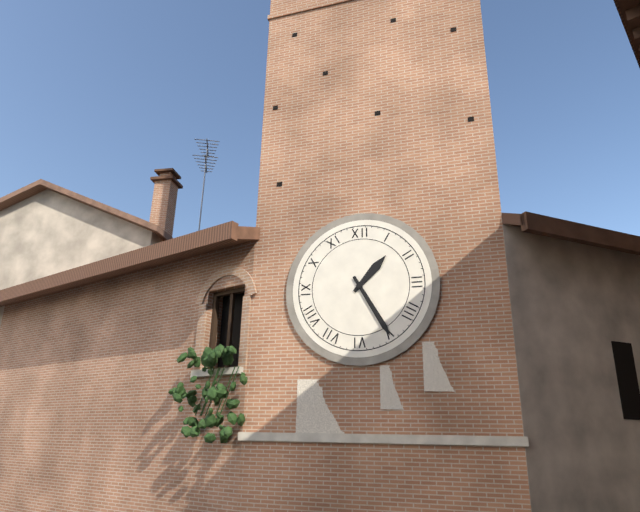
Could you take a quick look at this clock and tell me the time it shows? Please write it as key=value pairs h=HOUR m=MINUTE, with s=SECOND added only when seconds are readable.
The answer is h=1 m=25
